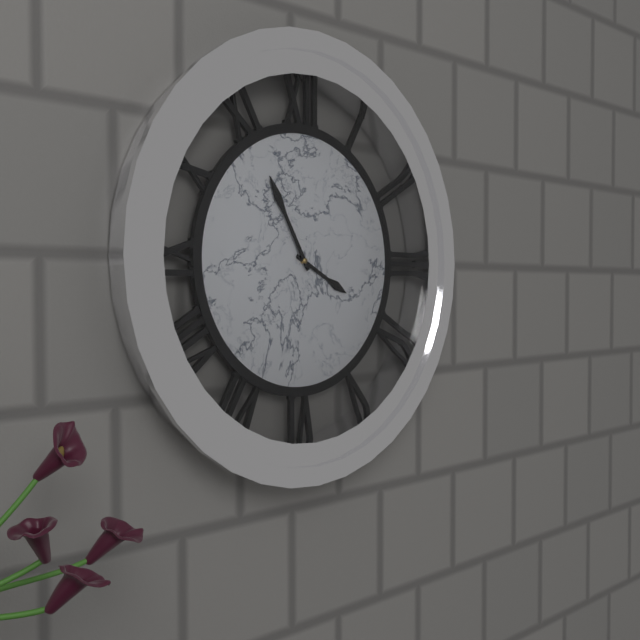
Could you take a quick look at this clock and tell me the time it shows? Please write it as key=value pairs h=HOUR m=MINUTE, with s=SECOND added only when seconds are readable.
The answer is h=3 m=55
